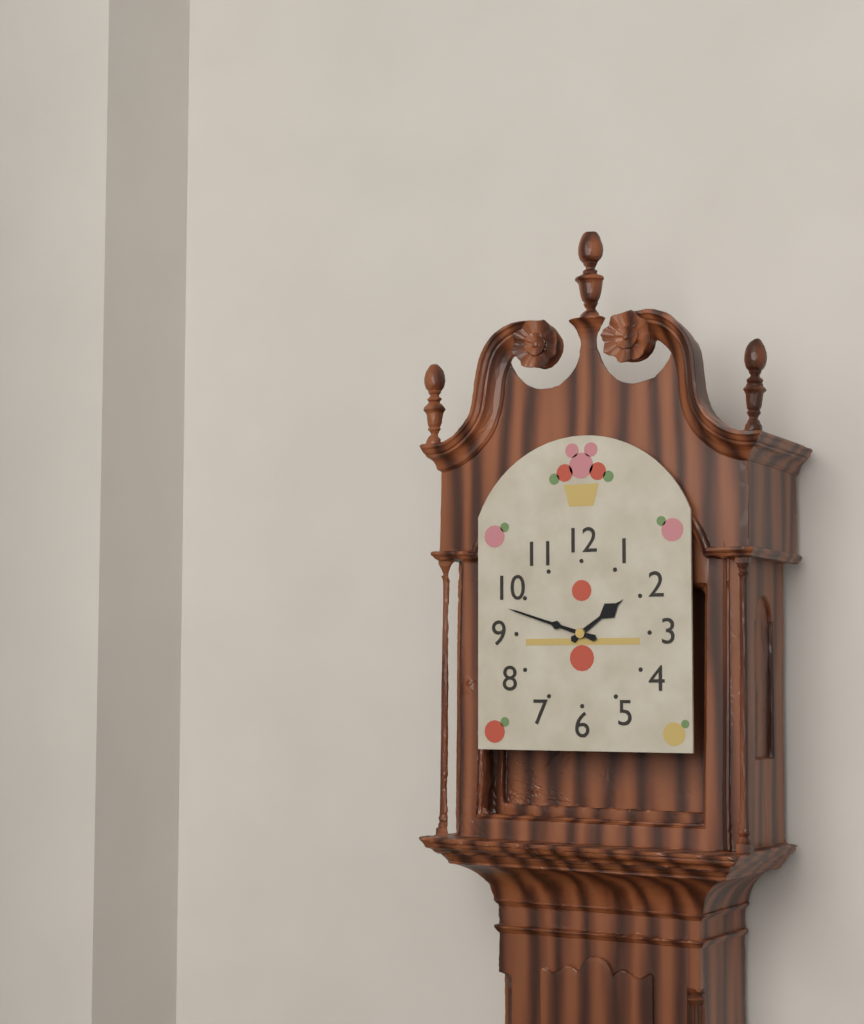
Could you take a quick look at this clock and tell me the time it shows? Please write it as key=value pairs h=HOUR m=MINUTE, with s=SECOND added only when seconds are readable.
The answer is h=1 m=48
